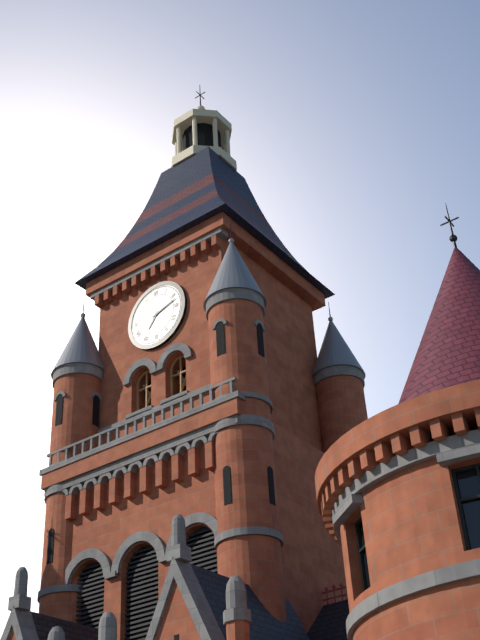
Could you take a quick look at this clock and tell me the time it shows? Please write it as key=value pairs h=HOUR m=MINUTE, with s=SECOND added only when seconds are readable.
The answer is h=7 m=12
